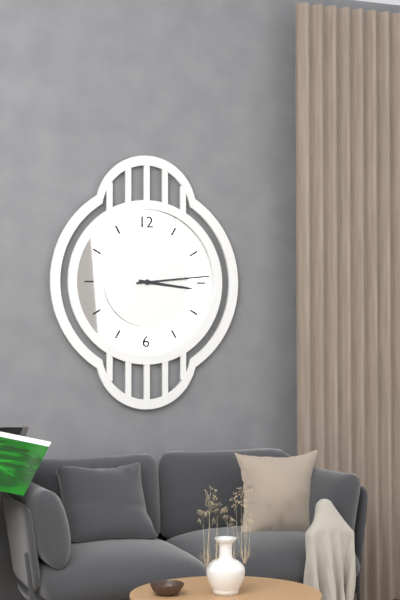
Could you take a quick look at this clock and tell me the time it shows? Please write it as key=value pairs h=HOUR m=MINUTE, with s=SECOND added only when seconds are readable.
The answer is h=3 m=14
